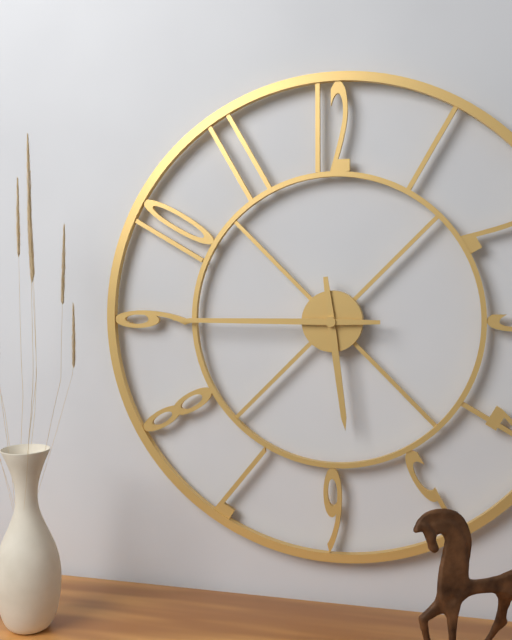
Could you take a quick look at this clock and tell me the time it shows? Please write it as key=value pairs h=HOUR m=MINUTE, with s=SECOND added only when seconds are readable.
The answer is h=5 m=45
